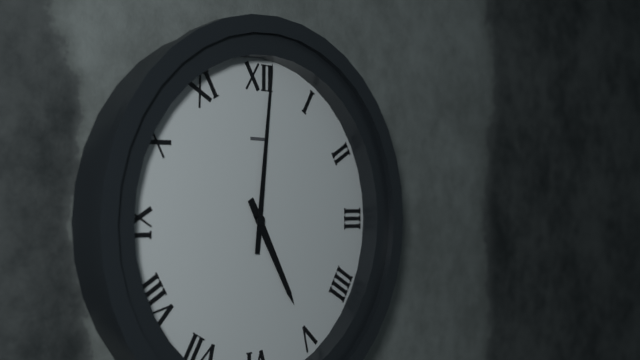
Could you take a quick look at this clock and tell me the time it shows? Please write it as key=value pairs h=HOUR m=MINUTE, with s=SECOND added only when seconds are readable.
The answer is h=5 m=1
